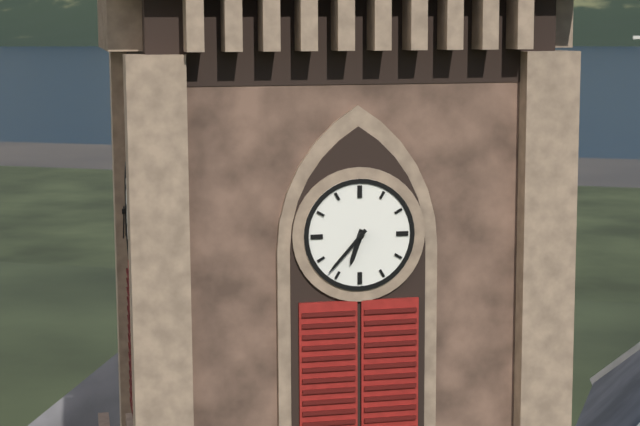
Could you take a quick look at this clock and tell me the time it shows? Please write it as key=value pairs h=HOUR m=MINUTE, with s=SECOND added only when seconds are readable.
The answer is h=6 m=37
